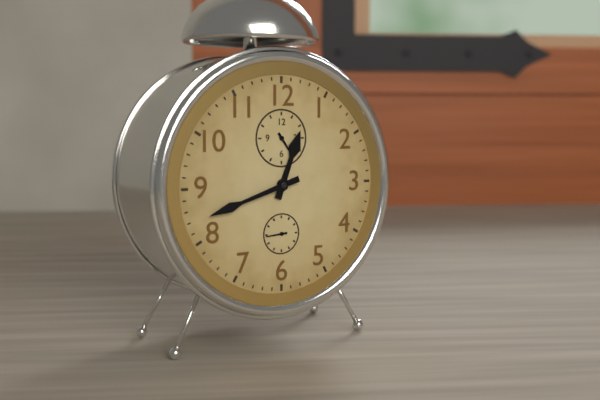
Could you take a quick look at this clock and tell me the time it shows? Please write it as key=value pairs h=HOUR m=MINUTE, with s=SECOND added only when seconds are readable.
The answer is h=12 m=42
